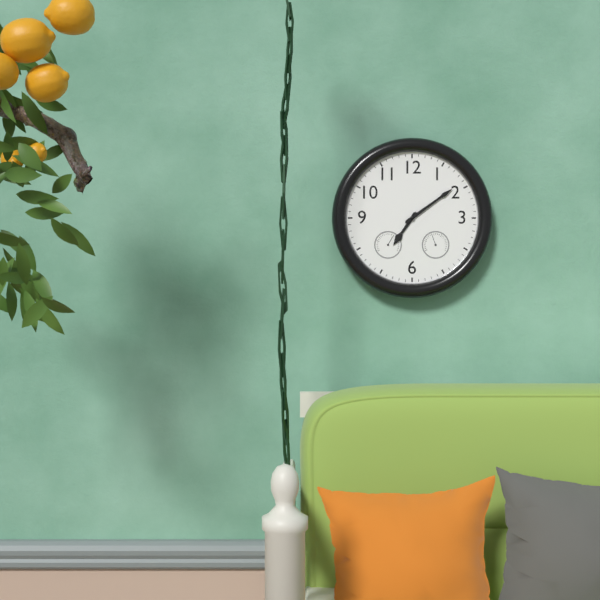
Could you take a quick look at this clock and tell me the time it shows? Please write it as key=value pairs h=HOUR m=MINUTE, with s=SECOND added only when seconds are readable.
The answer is h=7 m=9
